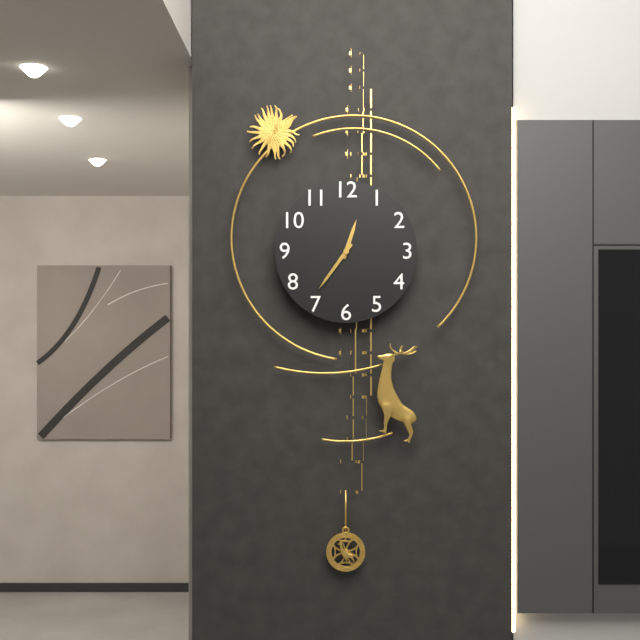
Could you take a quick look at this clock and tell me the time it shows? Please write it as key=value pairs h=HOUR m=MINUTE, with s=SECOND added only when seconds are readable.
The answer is h=12 m=36
